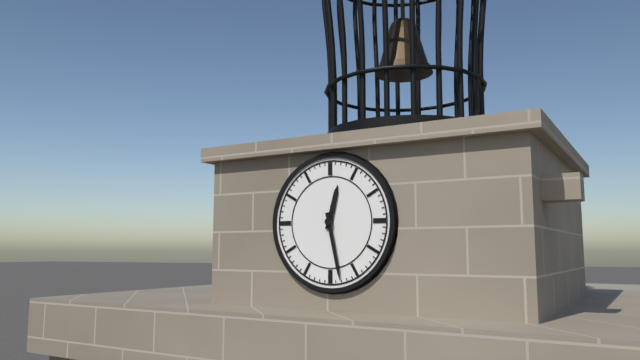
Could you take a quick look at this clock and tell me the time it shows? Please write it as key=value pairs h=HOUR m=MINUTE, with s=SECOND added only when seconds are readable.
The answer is h=12 m=28
